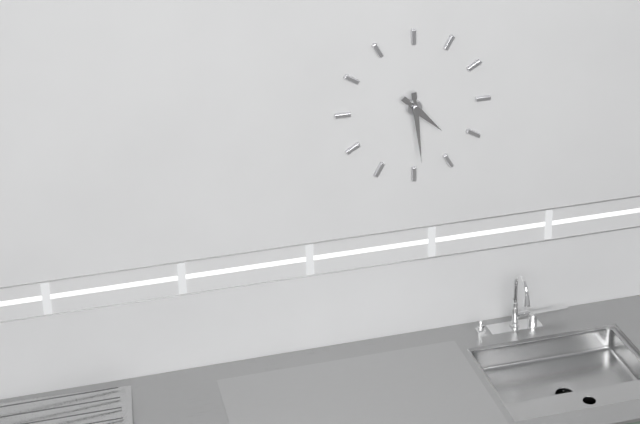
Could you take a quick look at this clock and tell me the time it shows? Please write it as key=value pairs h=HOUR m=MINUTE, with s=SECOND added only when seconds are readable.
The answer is h=4 m=29
